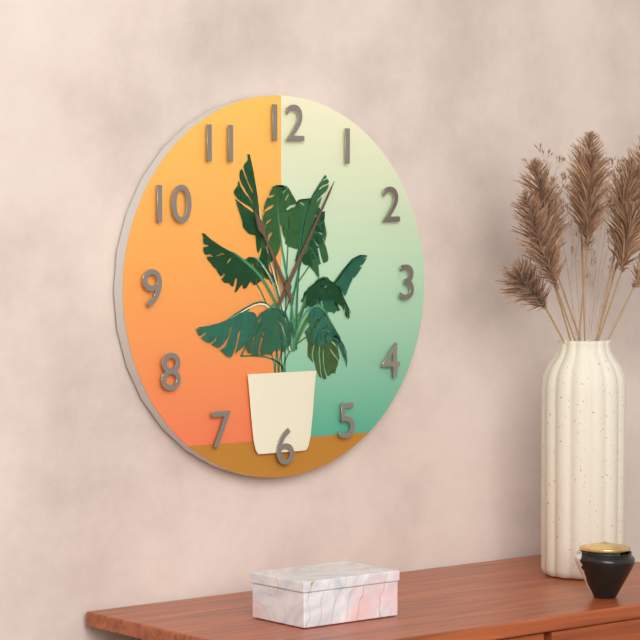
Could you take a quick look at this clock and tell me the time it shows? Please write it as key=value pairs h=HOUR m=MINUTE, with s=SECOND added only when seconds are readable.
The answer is h=11 m=5
